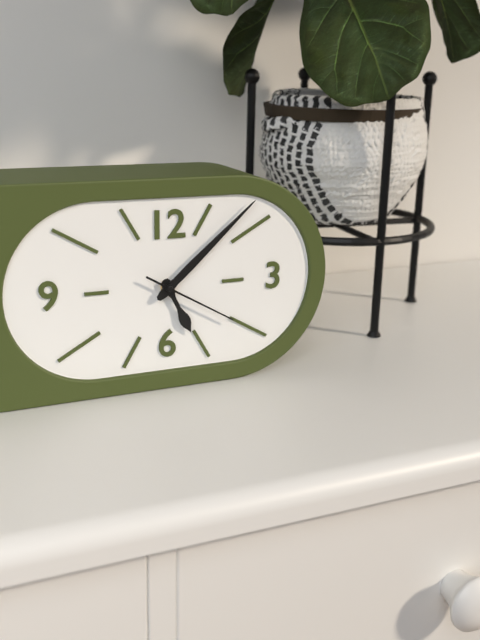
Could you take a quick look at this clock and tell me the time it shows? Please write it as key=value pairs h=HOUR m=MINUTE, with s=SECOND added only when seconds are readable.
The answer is h=5 m=8 s=20
